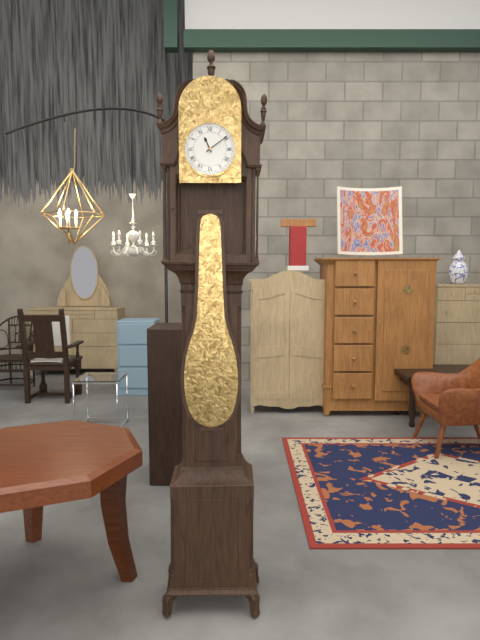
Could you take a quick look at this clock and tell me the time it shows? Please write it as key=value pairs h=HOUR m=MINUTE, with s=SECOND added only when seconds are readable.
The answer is h=11 m=9
